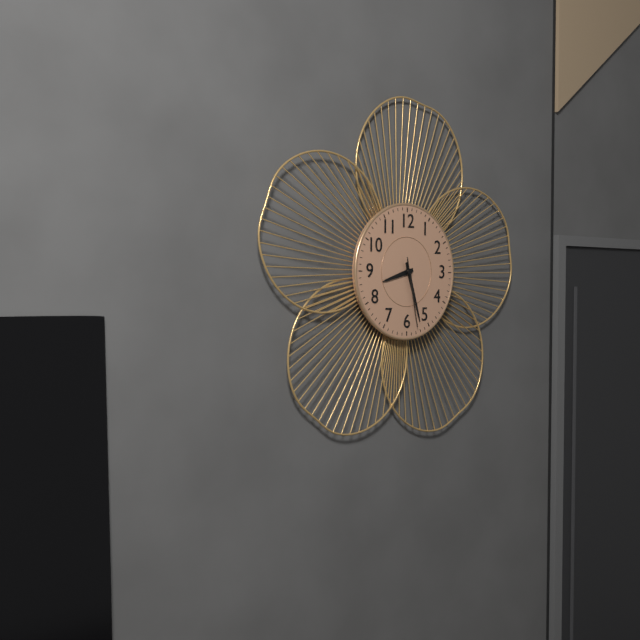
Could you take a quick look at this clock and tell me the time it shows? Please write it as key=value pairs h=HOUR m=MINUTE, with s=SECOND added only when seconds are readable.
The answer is h=8 m=27 s=28
